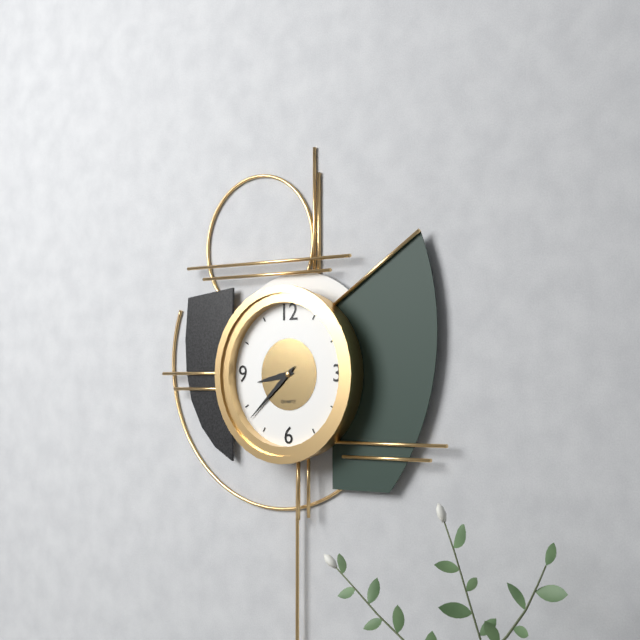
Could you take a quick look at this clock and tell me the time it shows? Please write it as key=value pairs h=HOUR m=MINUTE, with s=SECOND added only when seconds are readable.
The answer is h=8 m=38
